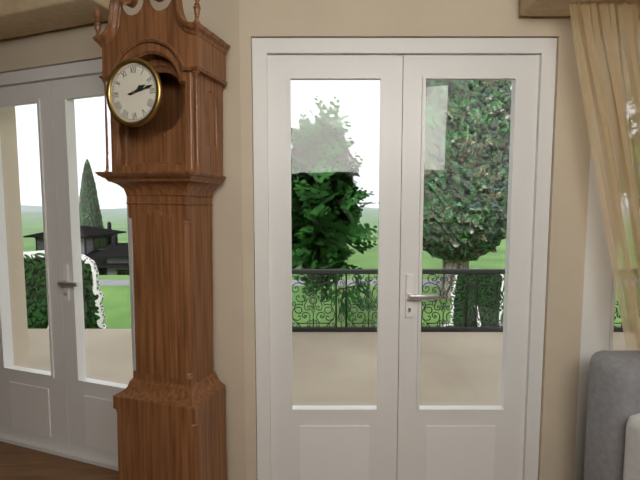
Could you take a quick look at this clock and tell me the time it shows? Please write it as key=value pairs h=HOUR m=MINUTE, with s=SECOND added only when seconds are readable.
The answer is h=2 m=13
